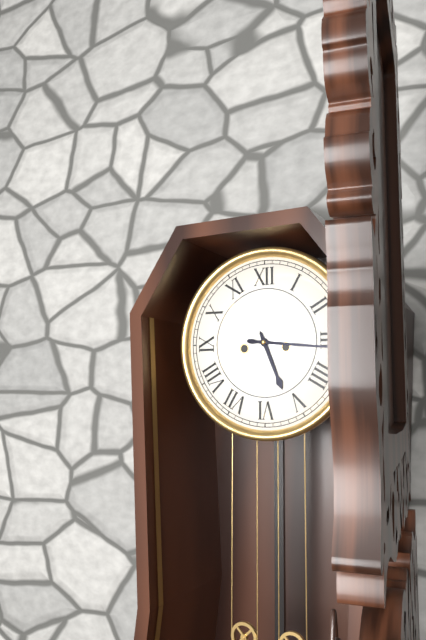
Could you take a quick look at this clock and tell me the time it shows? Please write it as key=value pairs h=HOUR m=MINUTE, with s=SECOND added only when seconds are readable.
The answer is h=5 m=16
